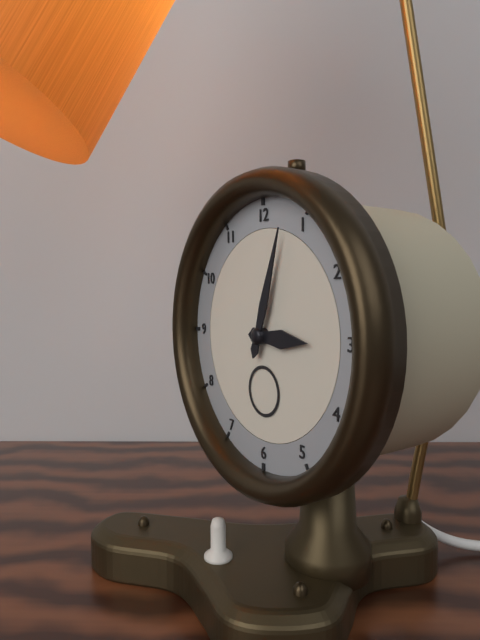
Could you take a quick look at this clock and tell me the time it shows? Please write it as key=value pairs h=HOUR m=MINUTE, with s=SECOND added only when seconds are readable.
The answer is h=3 m=3
